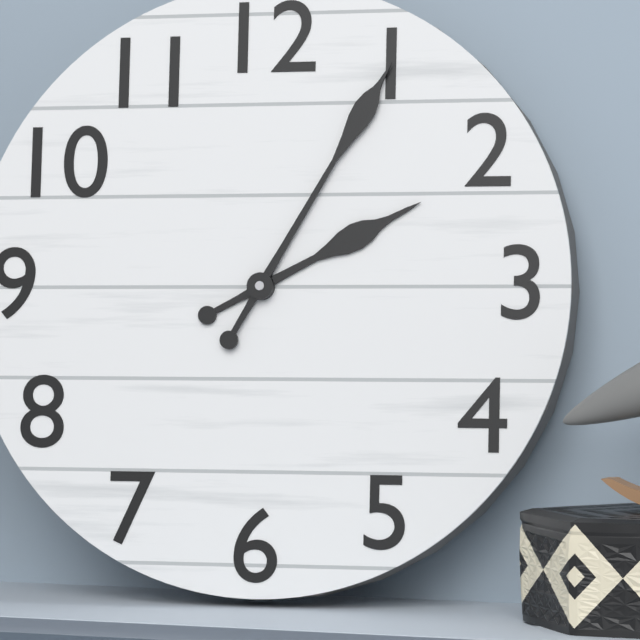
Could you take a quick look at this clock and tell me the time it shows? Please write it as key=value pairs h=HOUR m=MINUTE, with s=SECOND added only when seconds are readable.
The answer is h=2 m=5
